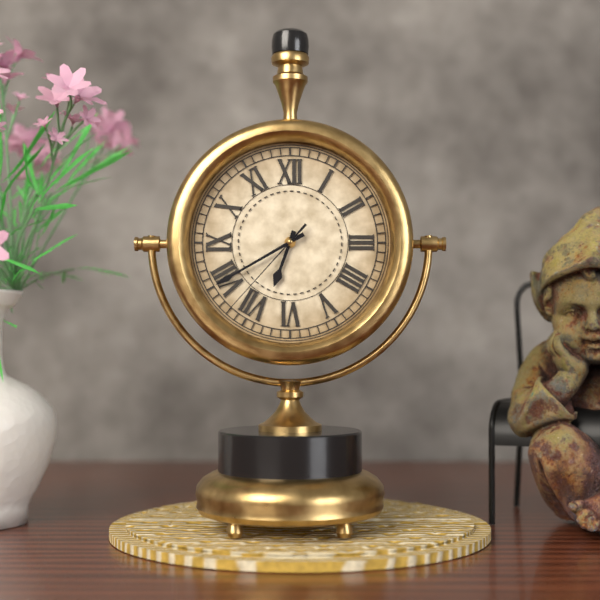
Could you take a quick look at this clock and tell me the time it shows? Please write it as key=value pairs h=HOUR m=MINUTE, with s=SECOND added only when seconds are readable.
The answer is h=6 m=40 s=37
